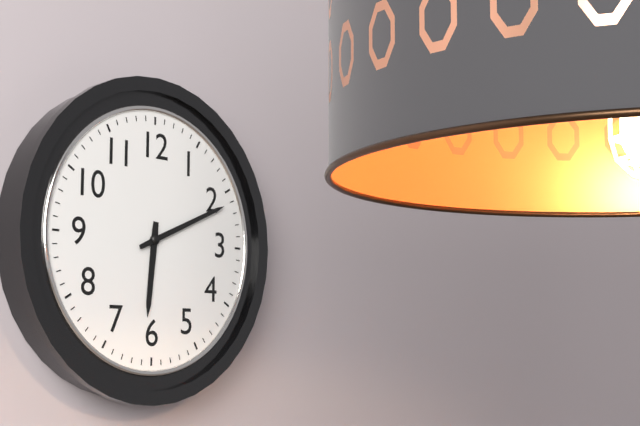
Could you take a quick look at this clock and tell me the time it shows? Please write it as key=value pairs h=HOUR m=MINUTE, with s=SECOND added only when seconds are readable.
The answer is h=6 m=11
